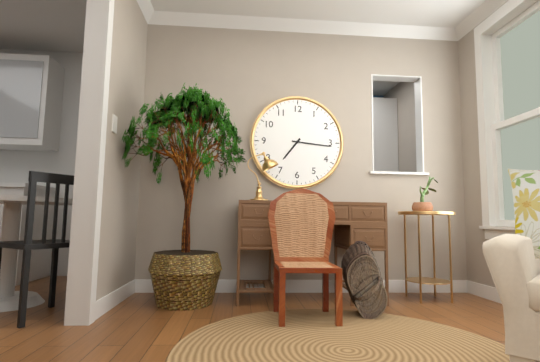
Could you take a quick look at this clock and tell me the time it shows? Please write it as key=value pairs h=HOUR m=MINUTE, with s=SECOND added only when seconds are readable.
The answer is h=7 m=16
